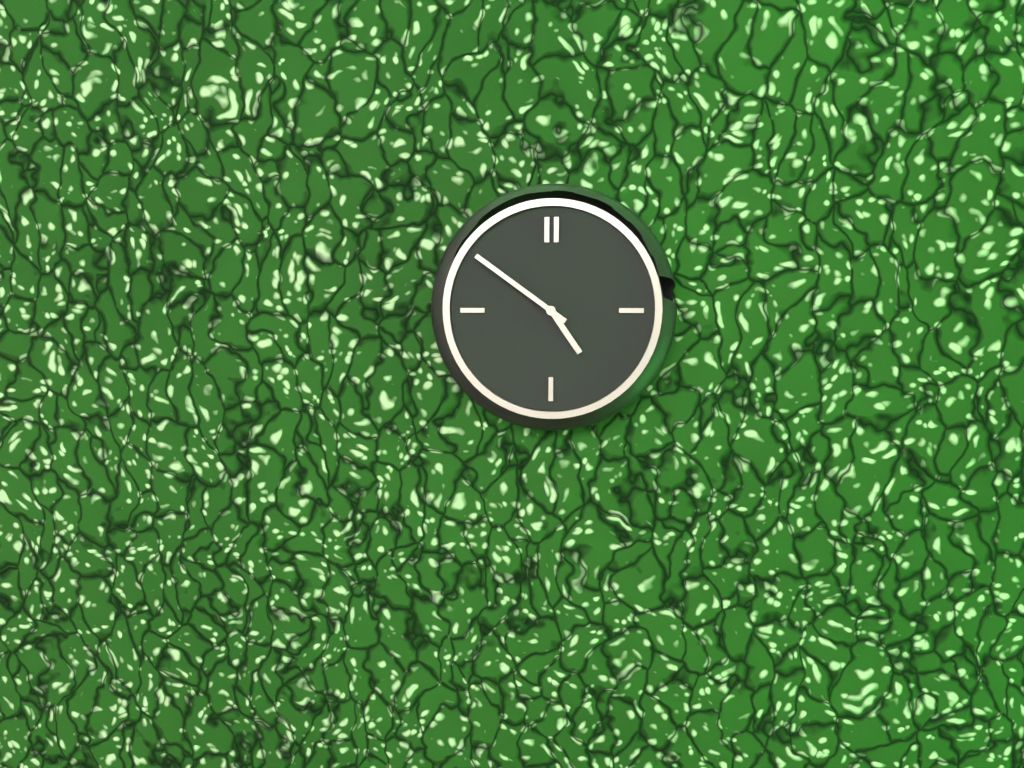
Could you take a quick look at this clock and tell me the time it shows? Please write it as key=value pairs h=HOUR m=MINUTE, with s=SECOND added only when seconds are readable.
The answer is h=4 m=51
